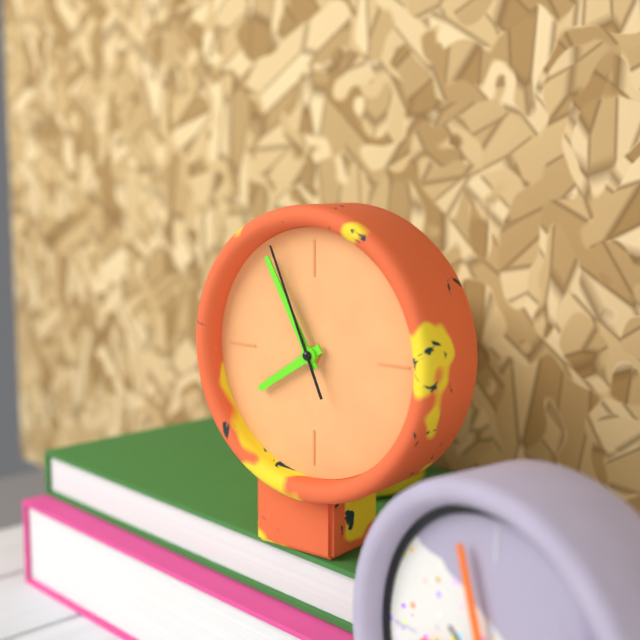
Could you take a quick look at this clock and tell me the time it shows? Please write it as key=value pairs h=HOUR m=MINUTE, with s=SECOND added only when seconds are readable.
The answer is h=7 m=55 s=56
